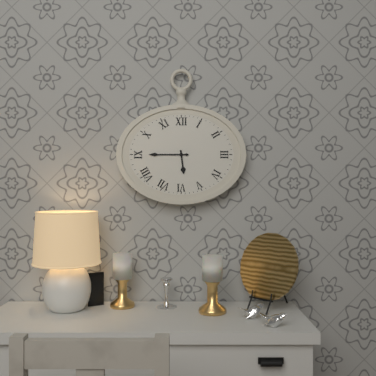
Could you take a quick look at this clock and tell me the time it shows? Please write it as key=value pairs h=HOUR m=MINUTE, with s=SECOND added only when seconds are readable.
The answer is h=5 m=45
